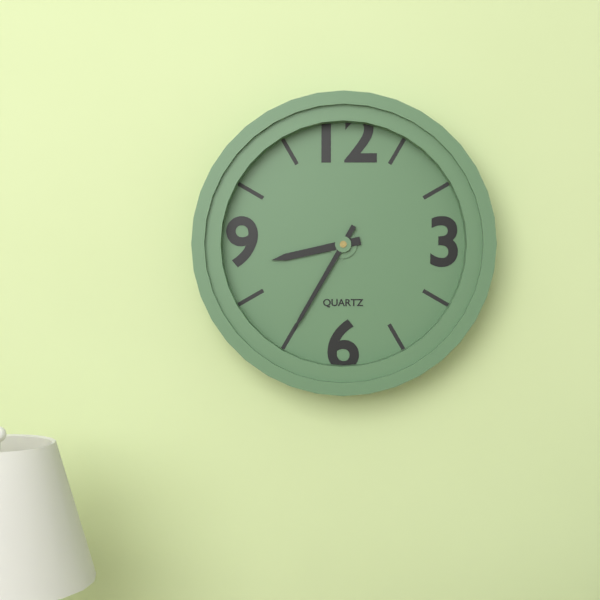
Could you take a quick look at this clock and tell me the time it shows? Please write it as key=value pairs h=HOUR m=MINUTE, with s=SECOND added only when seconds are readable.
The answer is h=8 m=35
